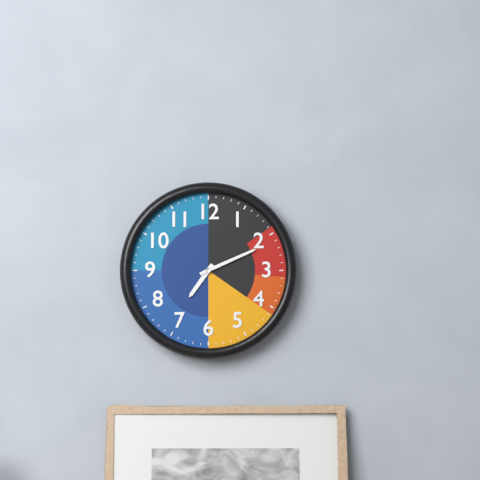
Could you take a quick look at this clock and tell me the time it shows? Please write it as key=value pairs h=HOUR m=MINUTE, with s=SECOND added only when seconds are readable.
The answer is h=7 m=11
